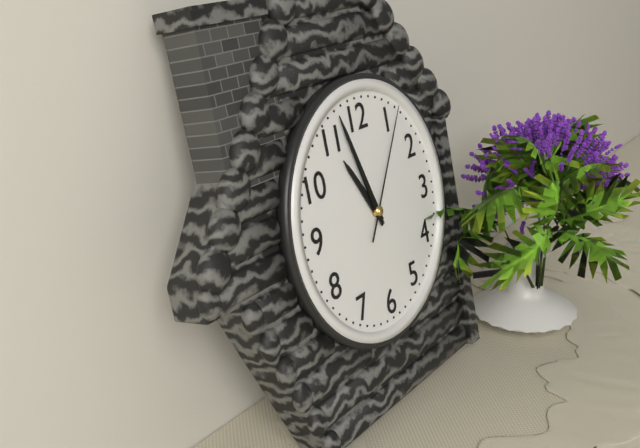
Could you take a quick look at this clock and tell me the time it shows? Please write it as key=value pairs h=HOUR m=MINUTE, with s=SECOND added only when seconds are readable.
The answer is h=10 m=57 s=6
